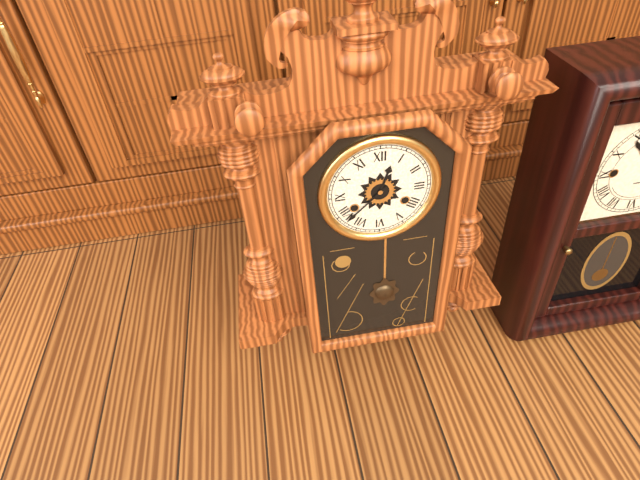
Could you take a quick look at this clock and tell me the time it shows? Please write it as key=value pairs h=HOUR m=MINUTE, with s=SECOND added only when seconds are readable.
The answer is h=12 m=38
